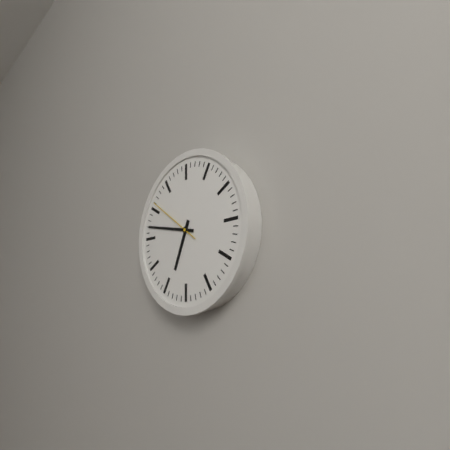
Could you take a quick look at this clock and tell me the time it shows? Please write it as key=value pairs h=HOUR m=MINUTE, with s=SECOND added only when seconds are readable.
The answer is h=6 m=47 s=51
